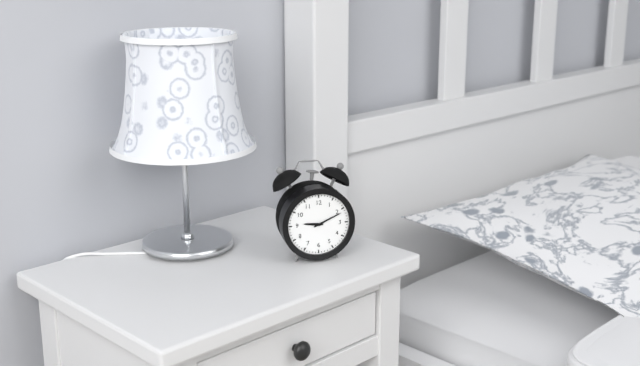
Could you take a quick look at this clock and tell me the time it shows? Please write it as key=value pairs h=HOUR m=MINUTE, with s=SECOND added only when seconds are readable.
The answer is h=9 m=11
